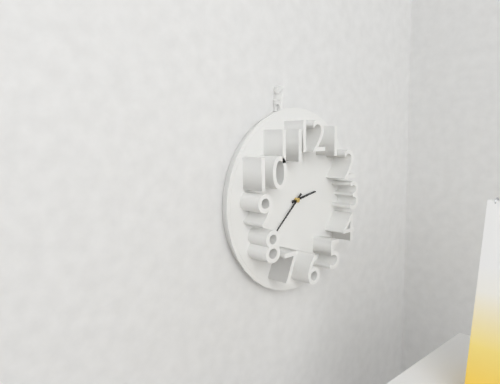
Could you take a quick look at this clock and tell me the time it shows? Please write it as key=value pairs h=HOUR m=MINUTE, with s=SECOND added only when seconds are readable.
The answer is h=2 m=38
